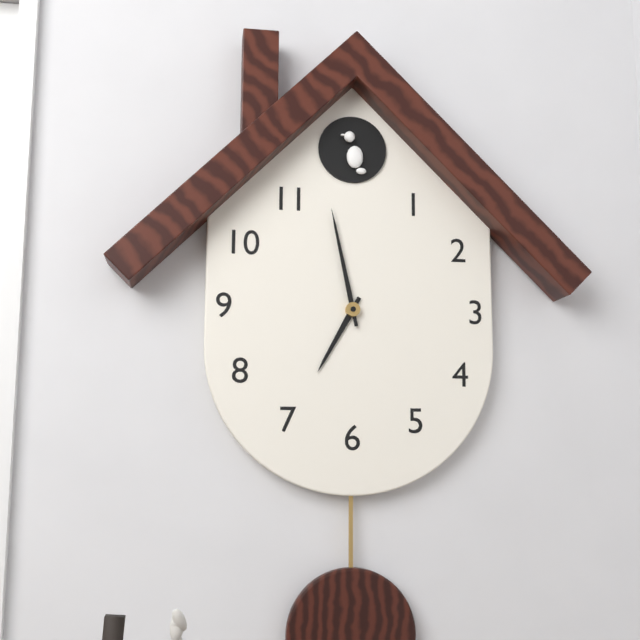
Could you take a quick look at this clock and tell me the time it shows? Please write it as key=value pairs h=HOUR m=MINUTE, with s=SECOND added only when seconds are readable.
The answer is h=6 m=58
